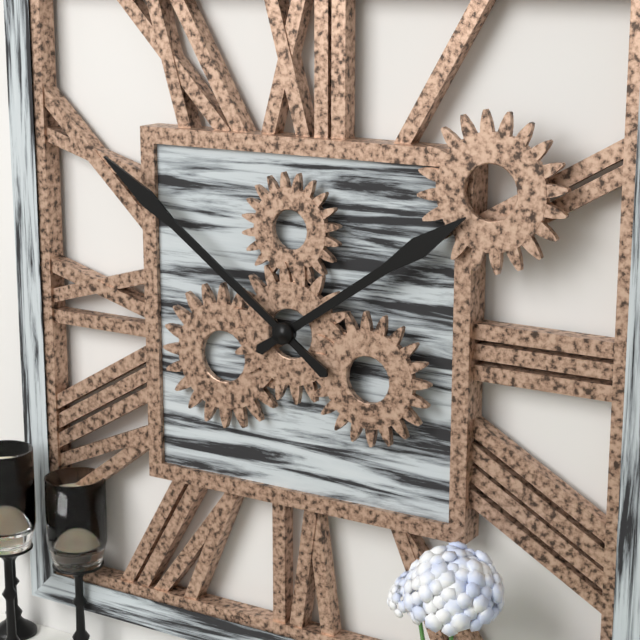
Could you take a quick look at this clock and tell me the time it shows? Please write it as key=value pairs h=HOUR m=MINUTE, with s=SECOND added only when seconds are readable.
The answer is h=1 m=51
